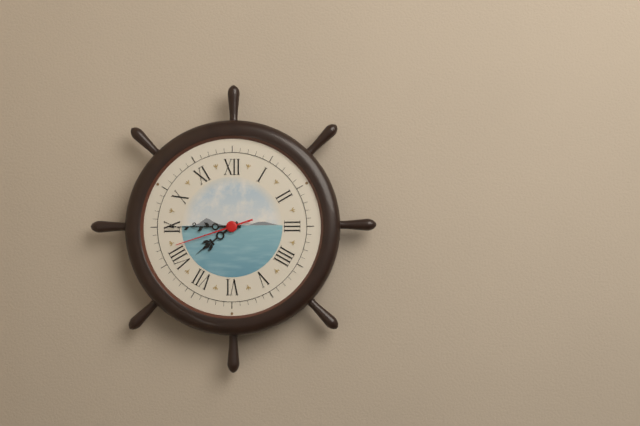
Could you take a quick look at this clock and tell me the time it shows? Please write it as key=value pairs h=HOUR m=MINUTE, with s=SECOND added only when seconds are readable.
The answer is h=7 m=45 s=42
